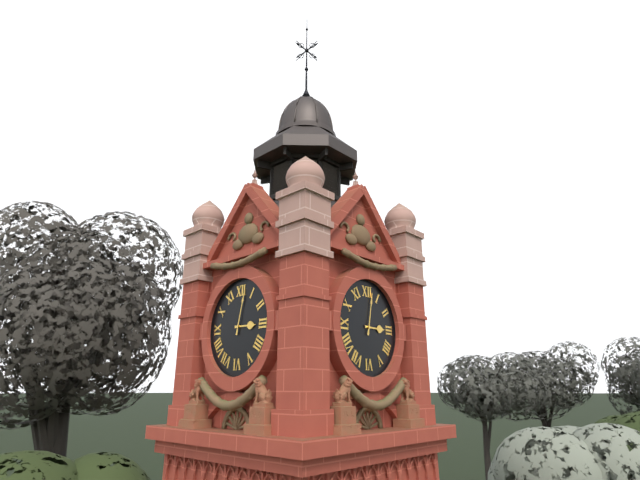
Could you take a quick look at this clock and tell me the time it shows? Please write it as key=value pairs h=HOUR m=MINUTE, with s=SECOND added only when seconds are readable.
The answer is h=3 m=2
